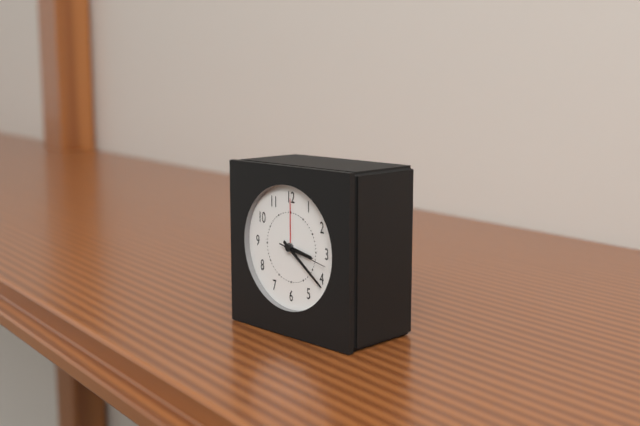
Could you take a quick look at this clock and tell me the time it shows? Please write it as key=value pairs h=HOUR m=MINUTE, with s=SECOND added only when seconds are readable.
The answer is h=3 m=21 s=17
